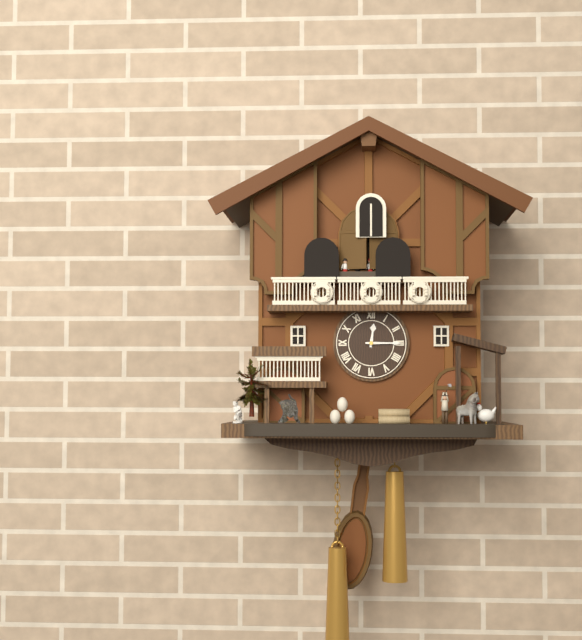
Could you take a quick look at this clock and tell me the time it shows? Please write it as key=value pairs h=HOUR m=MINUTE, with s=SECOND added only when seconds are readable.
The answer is h=12 m=15
